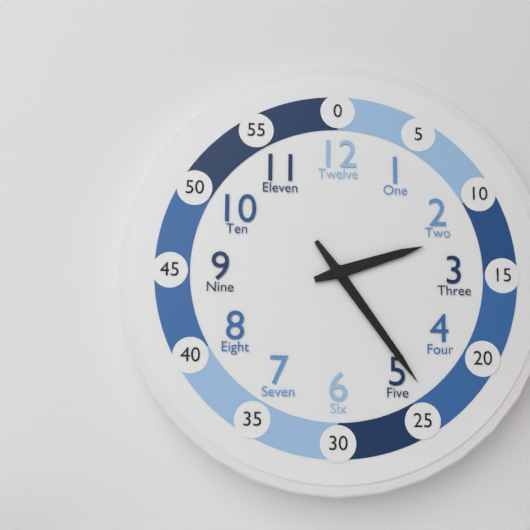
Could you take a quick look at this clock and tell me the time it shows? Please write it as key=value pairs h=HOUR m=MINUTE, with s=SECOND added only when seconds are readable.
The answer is h=2 m=24
